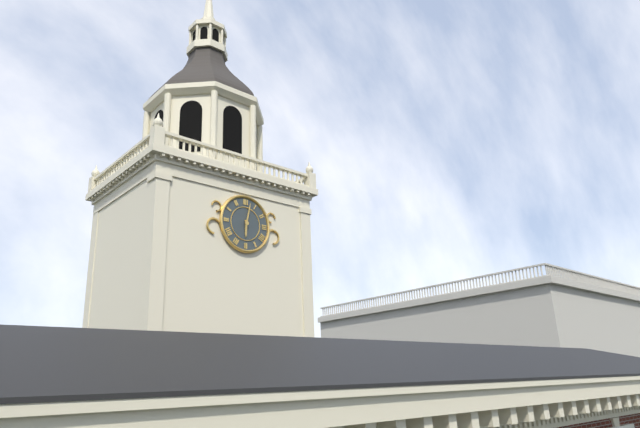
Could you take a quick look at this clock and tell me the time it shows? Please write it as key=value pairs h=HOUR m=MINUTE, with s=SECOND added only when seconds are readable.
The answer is h=6 m=2
